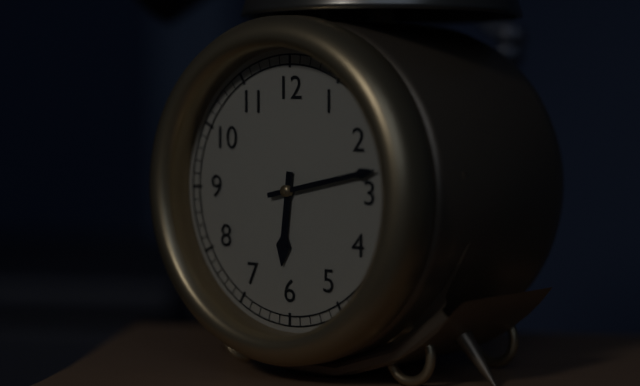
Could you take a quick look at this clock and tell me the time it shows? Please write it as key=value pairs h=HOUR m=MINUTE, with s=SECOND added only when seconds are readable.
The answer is h=6 m=13
